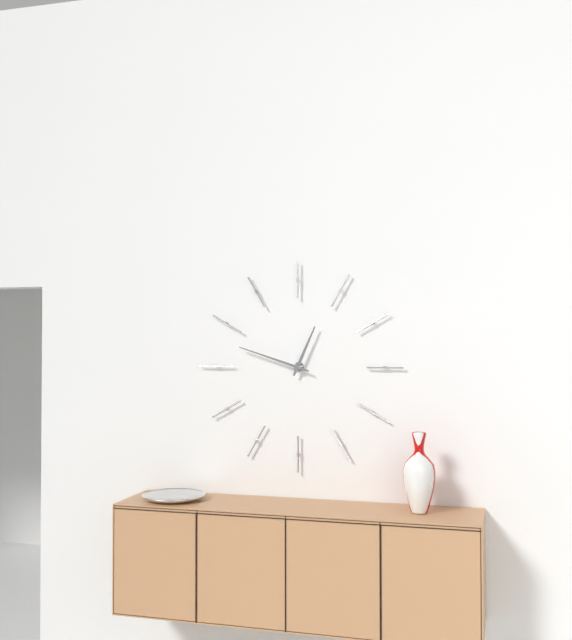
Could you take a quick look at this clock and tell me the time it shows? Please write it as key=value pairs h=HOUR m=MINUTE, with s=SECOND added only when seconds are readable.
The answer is h=12 m=48
